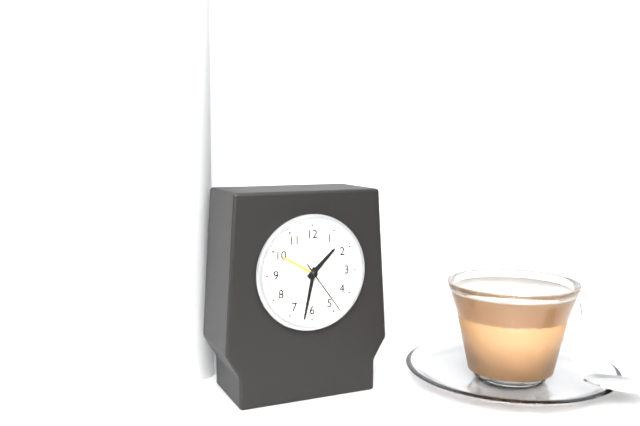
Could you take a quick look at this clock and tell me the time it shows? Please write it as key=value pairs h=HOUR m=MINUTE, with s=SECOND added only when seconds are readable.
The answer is h=1 m=32 s=24
